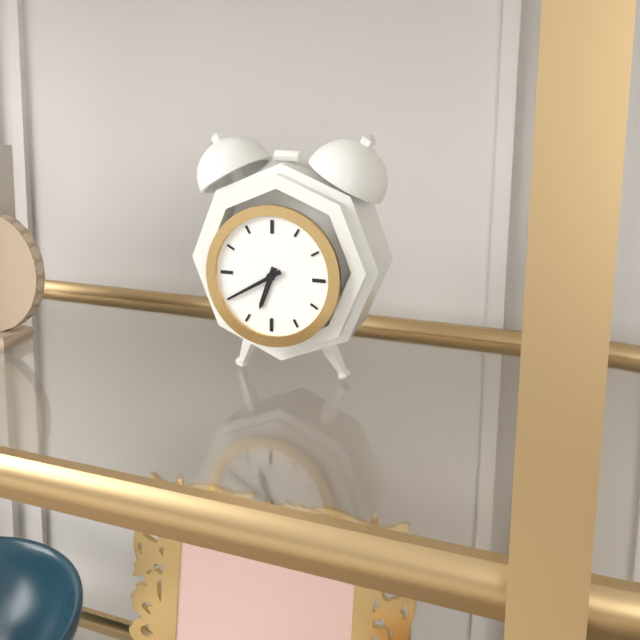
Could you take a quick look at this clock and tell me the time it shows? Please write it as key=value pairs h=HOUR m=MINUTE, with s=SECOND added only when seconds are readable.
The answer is h=6 m=40
